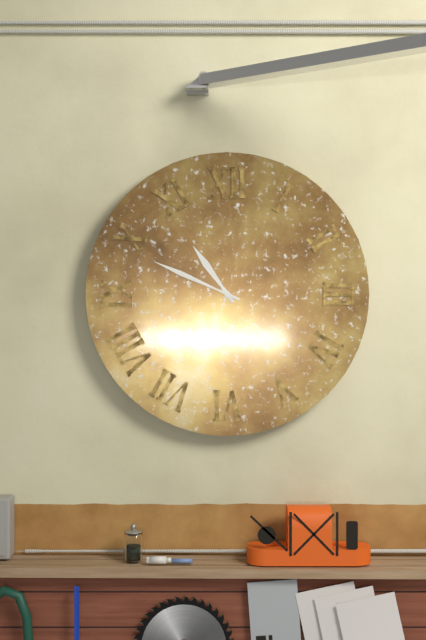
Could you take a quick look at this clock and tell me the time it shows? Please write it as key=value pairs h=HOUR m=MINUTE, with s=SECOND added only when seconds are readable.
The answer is h=10 m=49
